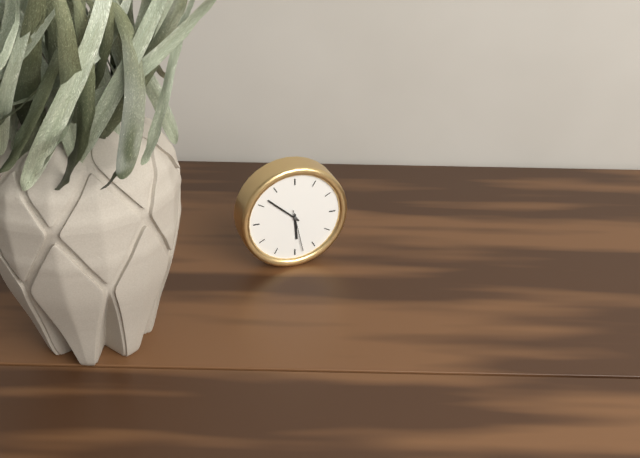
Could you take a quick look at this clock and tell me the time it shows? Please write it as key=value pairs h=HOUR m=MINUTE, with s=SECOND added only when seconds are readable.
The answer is h=5 m=52
